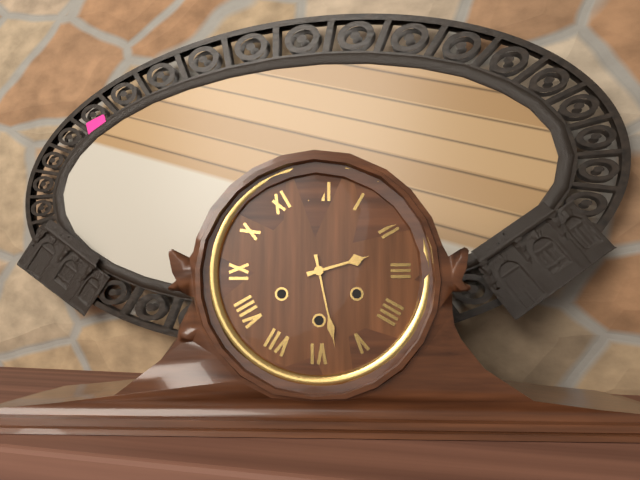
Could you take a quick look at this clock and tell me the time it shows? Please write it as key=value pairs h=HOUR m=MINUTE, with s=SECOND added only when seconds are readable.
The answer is h=2 m=28
